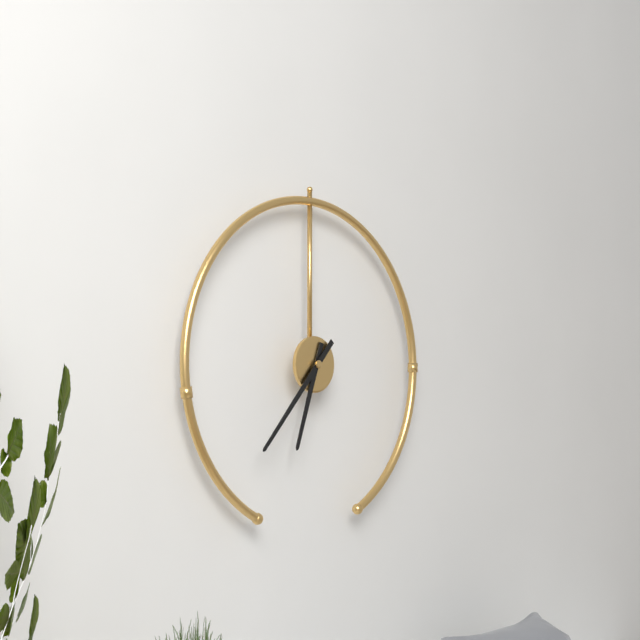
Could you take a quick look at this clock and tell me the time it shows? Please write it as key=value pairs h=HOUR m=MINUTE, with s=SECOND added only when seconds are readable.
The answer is h=6 m=37
